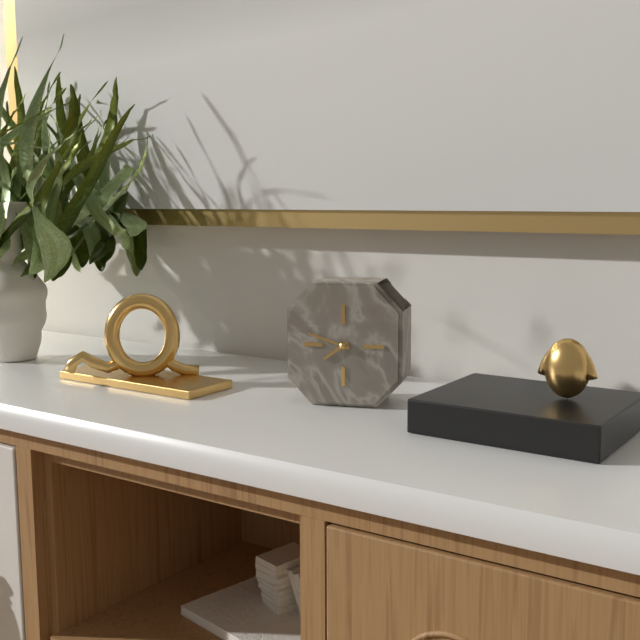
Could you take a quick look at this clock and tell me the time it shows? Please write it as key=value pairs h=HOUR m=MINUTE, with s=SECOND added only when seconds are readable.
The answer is h=7 m=48
